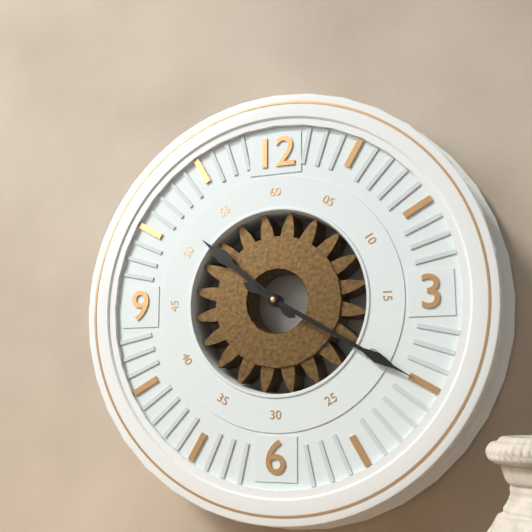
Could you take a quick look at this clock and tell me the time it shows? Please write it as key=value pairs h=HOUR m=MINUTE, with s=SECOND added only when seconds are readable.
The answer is h=10 m=20
